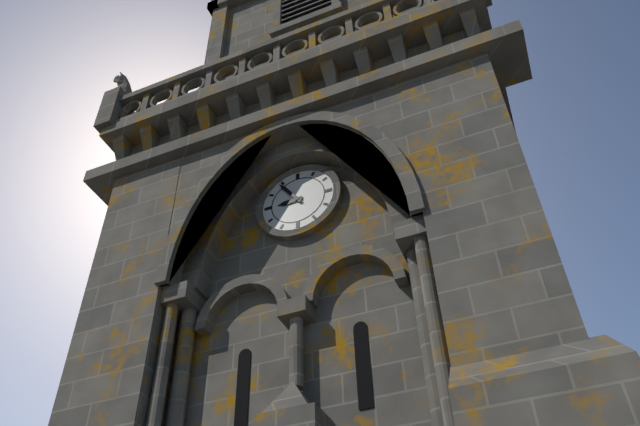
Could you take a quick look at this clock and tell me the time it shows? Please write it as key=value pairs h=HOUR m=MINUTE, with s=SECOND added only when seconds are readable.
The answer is h=8 m=54
